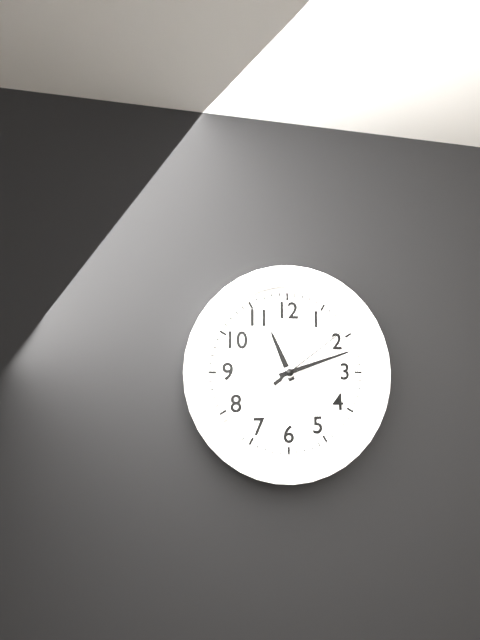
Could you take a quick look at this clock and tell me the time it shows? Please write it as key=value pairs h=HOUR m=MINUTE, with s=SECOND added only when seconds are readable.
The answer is h=11 m=12 s=9
